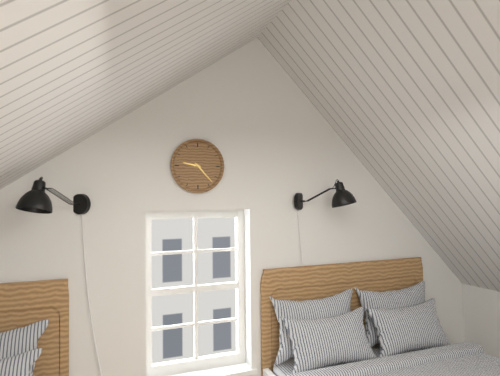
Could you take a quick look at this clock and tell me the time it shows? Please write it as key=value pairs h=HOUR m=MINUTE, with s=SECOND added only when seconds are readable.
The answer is h=9 m=23
